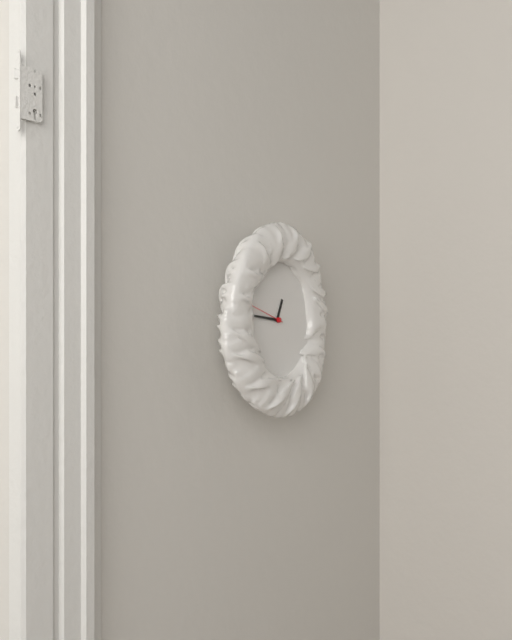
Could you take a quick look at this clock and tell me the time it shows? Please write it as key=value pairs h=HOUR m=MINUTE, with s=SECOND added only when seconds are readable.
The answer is h=12 m=46
